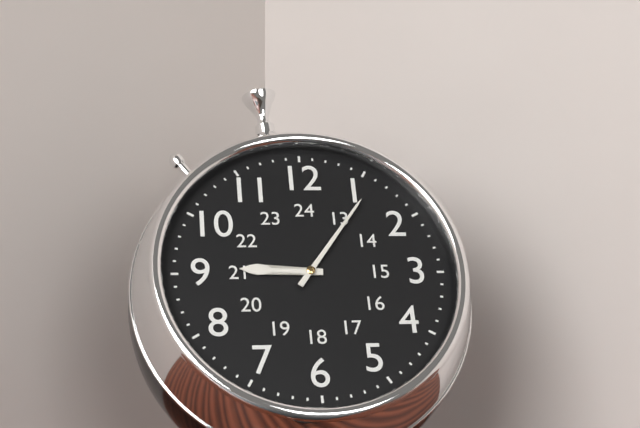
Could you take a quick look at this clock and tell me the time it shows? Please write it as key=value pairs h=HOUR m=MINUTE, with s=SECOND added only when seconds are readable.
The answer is h=9 m=6
